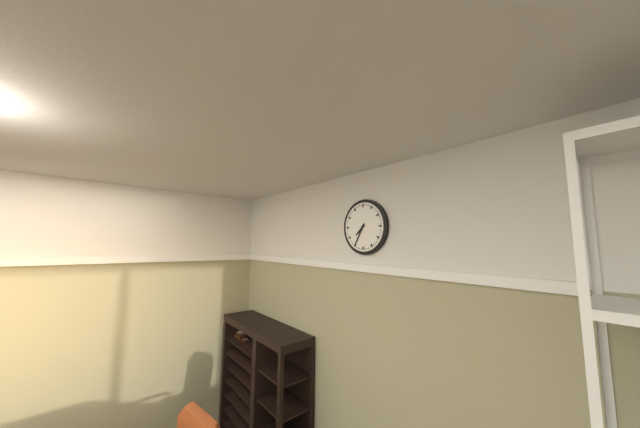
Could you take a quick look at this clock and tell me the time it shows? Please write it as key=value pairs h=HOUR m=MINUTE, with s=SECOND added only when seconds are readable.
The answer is h=7 m=35
